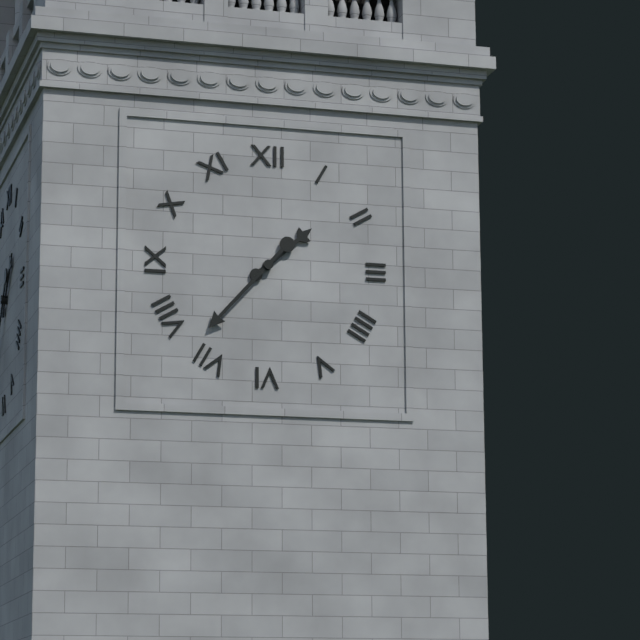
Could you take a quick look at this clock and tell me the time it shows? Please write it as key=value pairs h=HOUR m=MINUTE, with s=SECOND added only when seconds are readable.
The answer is h=1 m=37
